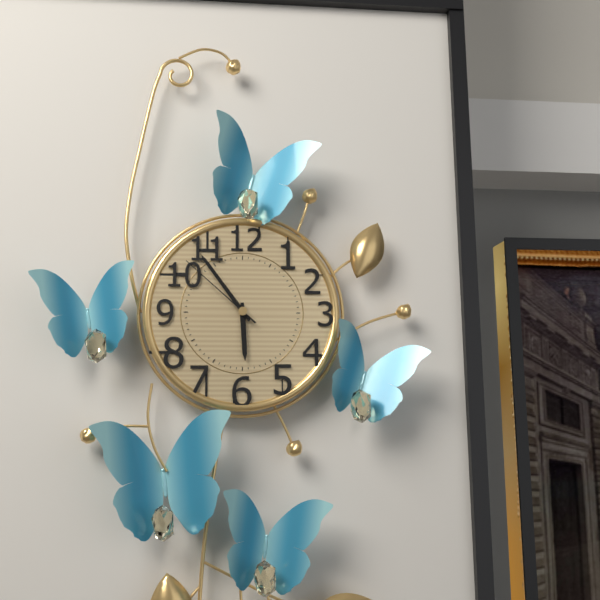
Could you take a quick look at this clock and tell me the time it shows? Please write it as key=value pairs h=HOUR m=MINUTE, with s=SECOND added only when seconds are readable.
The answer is h=5 m=54 s=52
